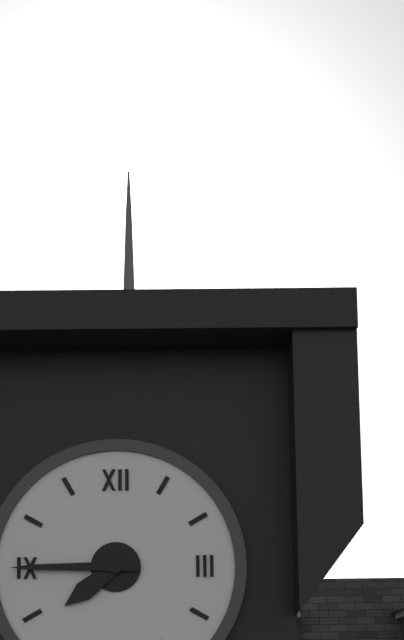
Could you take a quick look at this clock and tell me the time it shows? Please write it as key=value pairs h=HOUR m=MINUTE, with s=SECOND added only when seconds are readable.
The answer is h=7 m=45
